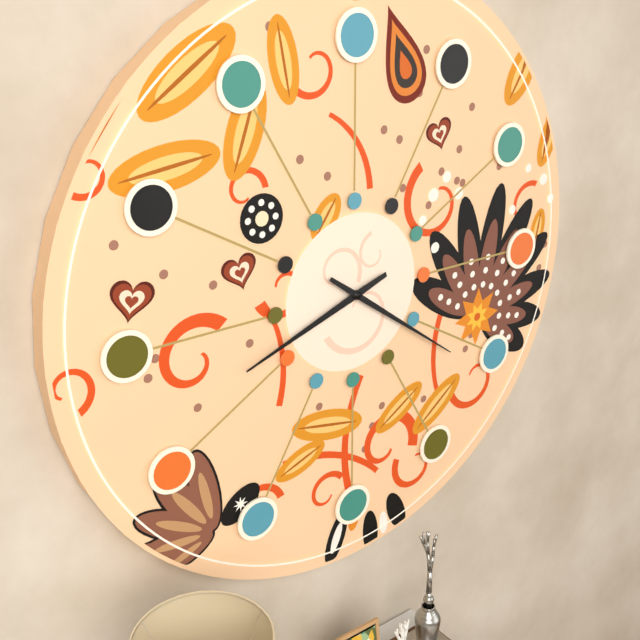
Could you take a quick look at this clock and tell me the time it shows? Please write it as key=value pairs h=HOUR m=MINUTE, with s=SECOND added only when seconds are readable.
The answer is h=8 m=21
